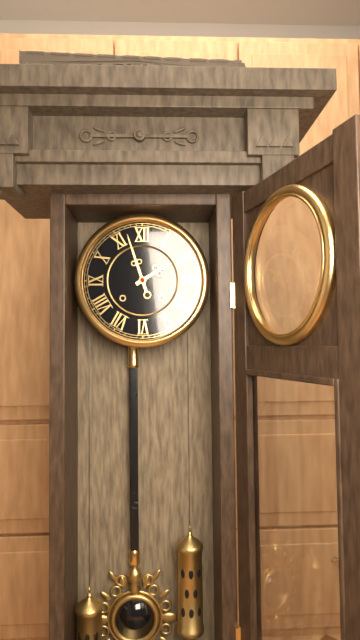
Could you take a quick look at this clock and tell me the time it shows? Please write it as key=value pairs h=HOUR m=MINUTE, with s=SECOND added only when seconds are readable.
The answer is h=1 m=57
